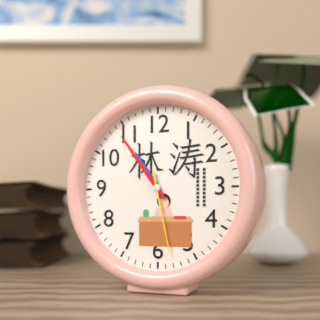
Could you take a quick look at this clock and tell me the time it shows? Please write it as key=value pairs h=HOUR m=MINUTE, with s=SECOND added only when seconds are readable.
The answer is h=10 m=54 s=28
